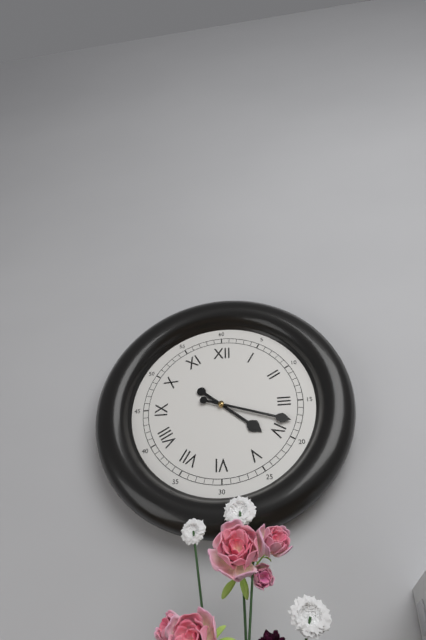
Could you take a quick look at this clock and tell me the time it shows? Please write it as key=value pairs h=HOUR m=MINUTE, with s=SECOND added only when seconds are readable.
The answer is h=4 m=18
